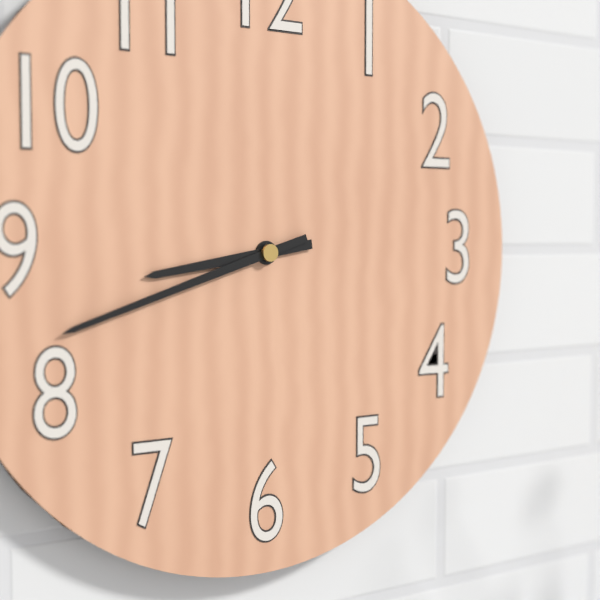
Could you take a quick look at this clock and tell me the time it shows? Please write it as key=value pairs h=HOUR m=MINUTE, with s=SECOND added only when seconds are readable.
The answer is h=8 m=42
